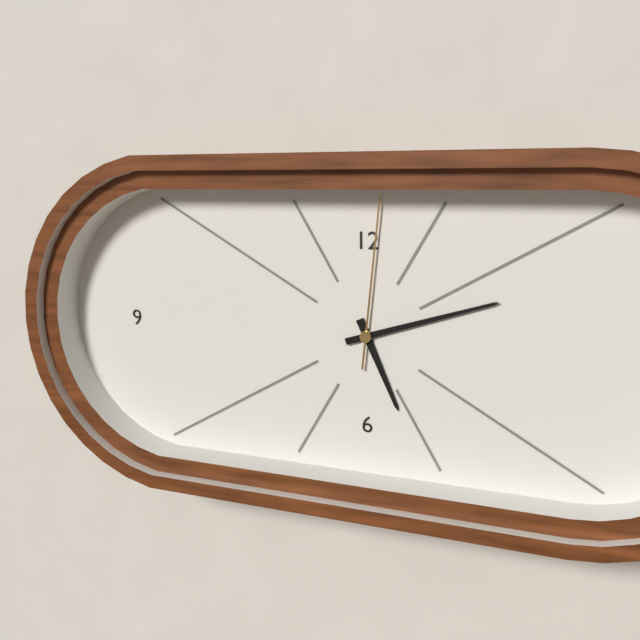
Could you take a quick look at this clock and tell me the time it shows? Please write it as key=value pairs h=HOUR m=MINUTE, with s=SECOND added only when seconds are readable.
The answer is h=5 m=12 s=1
